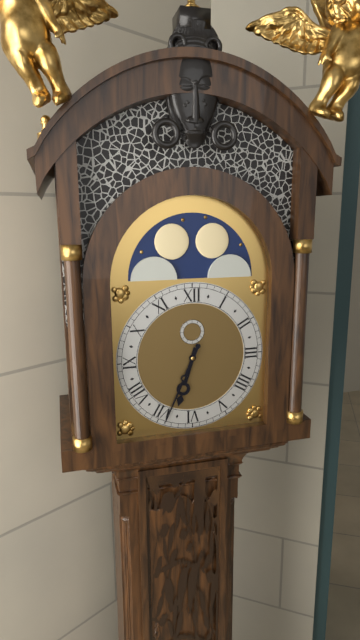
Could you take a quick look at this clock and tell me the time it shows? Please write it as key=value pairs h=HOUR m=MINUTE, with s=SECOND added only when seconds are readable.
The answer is h=6 m=34
